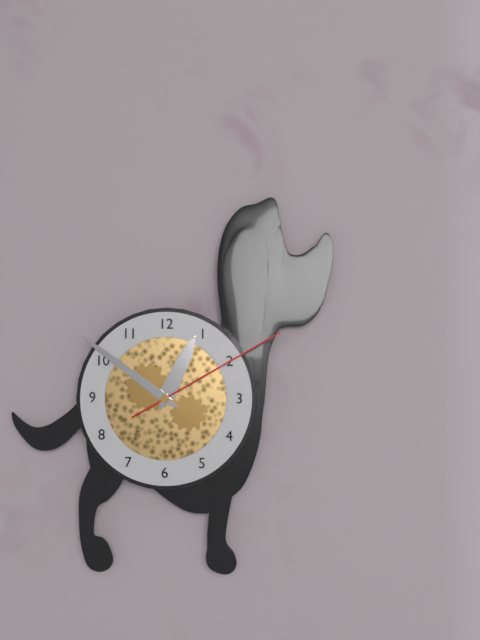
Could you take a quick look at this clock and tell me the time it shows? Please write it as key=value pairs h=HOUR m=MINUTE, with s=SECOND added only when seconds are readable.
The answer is h=12 m=51 s=10
